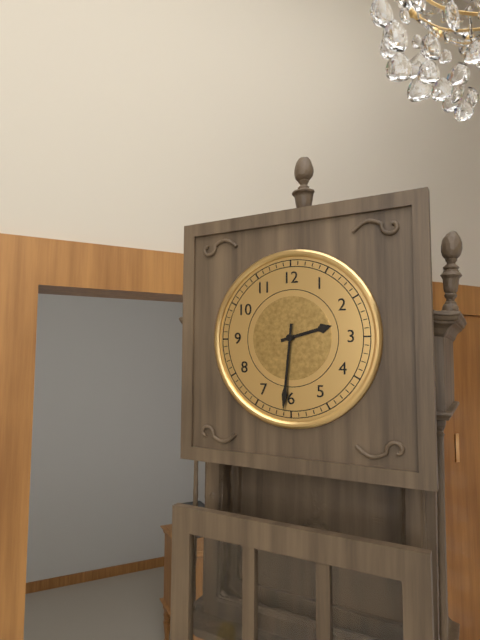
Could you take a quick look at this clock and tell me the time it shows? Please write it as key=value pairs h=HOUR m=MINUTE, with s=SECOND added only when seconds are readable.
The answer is h=2 m=31
